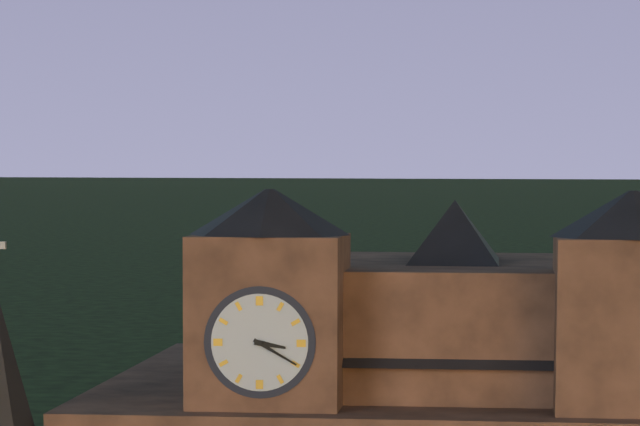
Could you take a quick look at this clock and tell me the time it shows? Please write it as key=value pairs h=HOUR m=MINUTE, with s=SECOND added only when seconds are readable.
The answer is h=3 m=20
